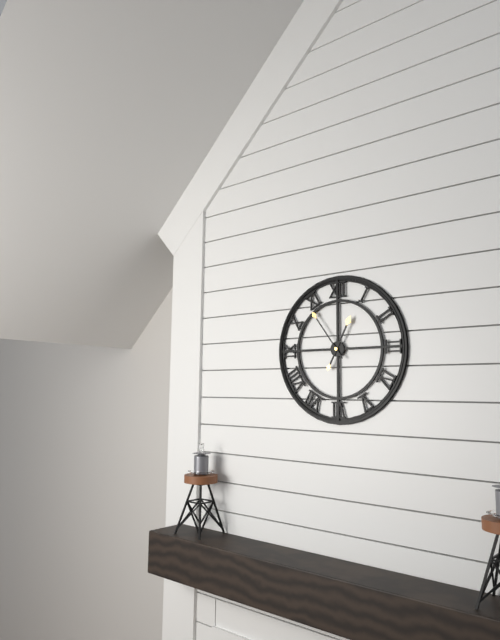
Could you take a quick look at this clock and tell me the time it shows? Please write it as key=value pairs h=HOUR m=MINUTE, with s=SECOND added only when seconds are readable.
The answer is h=12 m=54
